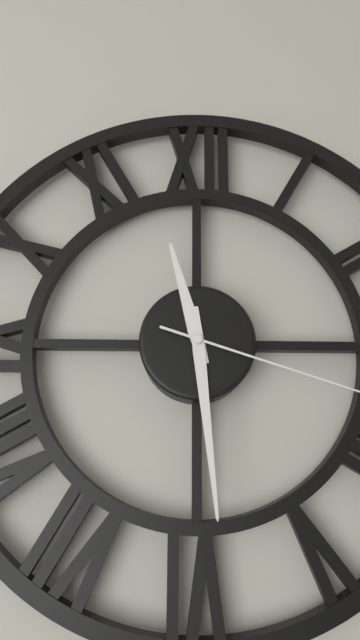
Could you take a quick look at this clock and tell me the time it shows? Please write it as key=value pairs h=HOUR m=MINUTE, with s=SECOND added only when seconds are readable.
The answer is h=11 m=29
